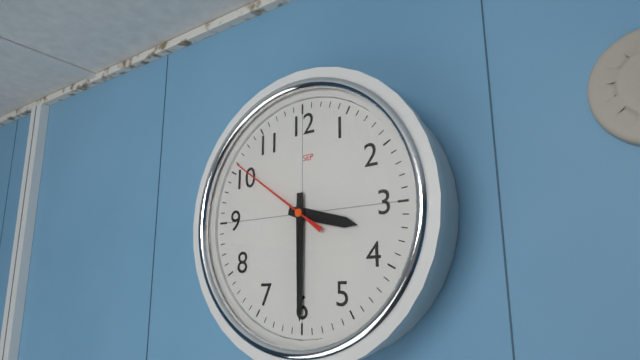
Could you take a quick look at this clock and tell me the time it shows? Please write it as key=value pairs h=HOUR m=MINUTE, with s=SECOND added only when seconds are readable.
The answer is h=3 m=30 s=51
